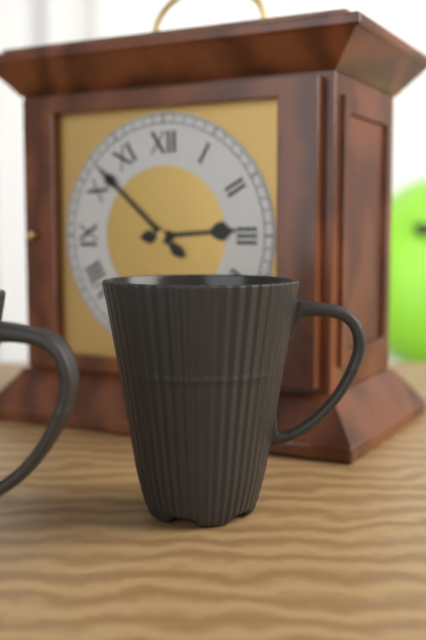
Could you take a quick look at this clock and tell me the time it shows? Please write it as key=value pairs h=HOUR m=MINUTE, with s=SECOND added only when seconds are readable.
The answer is h=2 m=52
